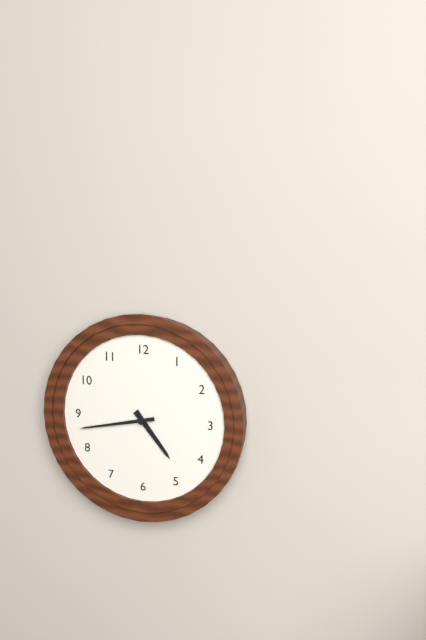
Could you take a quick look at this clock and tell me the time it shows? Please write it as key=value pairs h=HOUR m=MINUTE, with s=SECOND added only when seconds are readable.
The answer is h=4 m=43
